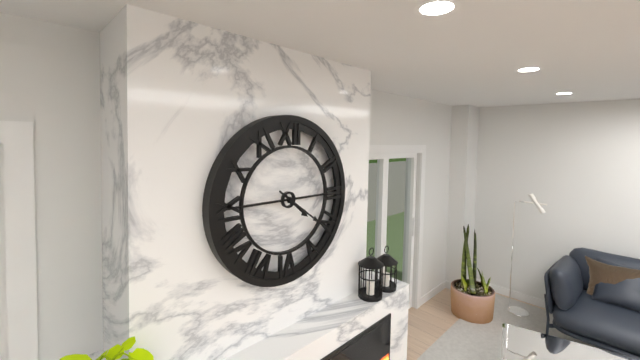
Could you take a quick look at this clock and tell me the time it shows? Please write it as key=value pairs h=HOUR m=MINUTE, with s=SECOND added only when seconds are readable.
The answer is h=4 m=21
